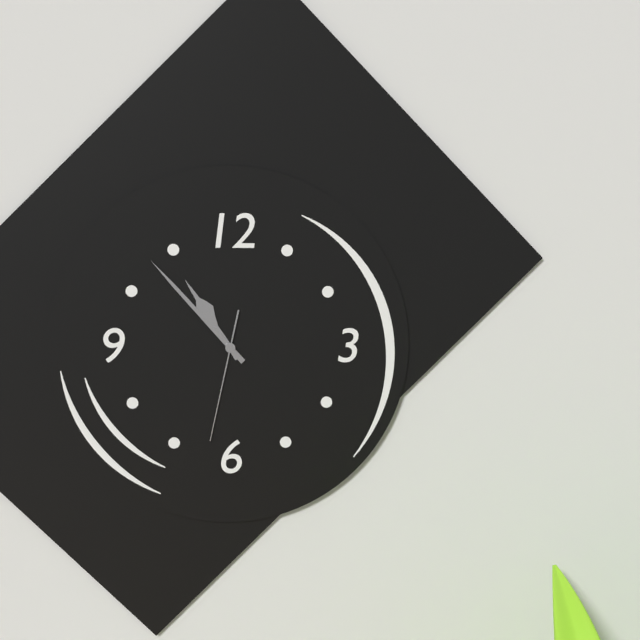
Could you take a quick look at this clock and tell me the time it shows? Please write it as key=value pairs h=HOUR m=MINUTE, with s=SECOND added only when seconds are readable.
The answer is h=10 m=53 s=32
